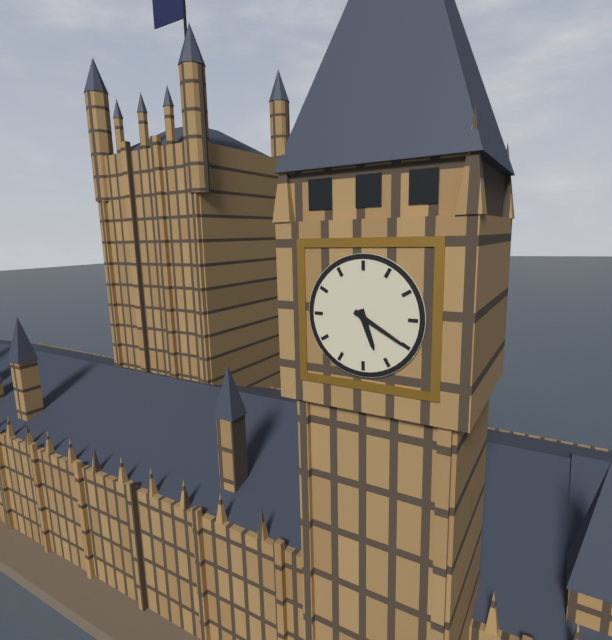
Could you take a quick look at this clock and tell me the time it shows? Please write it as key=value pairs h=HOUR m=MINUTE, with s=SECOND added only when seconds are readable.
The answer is h=5 m=20
